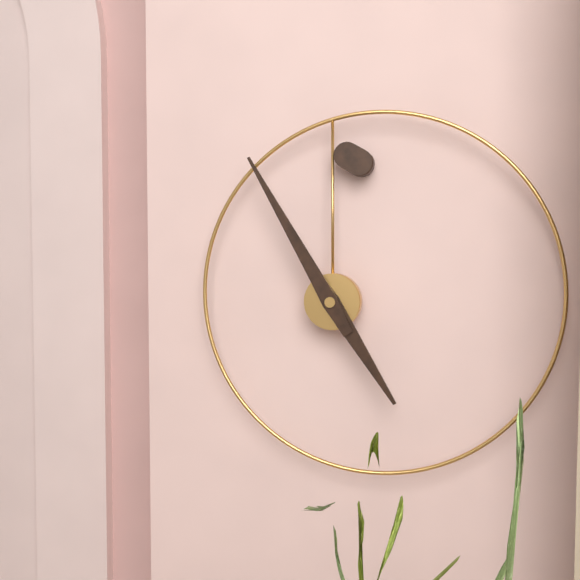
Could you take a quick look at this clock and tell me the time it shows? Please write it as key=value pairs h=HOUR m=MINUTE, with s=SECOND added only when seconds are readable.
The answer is h=4 m=55
